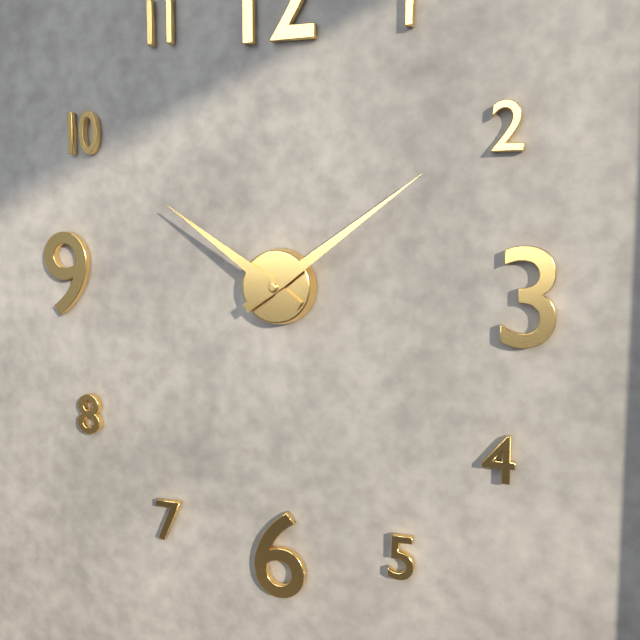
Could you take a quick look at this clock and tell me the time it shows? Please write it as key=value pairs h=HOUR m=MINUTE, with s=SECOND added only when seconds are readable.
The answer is h=10 m=9
